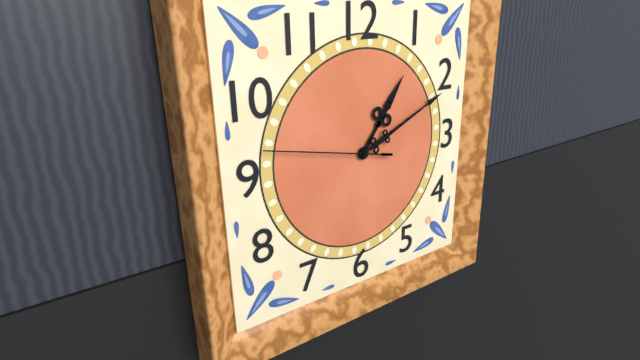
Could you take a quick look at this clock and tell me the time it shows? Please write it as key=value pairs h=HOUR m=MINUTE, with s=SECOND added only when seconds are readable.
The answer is h=1 m=11 s=47
